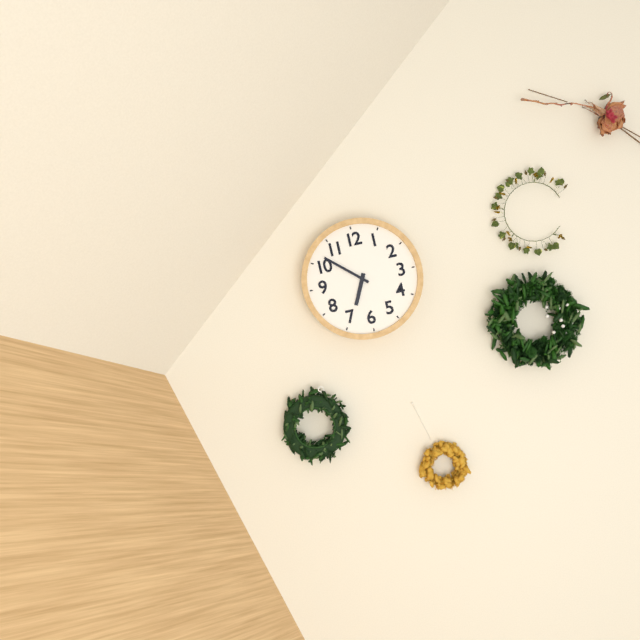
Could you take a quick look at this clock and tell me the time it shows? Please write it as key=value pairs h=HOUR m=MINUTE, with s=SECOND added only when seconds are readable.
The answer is h=6 m=52
